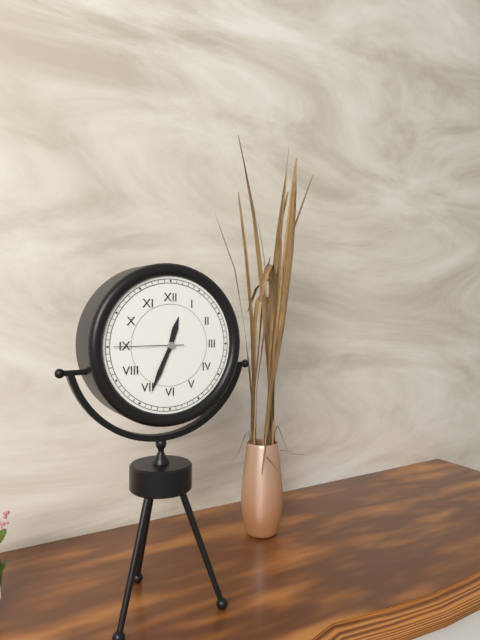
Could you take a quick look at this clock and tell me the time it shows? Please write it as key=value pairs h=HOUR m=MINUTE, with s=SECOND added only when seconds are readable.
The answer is h=12 m=34 s=45
